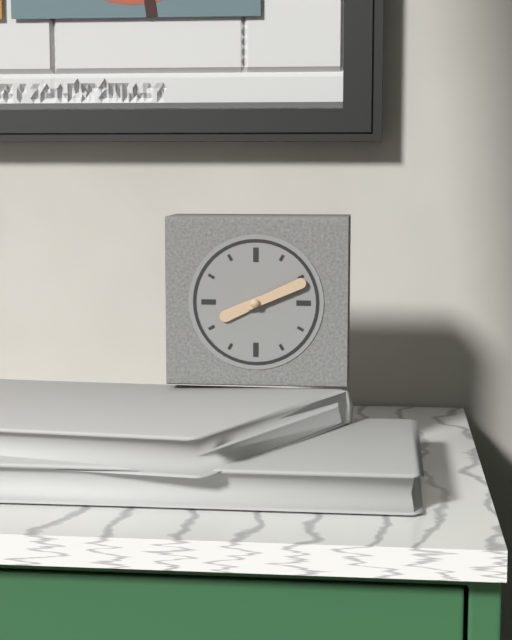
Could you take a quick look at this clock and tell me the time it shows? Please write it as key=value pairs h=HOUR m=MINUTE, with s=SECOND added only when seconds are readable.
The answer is h=8 m=11
